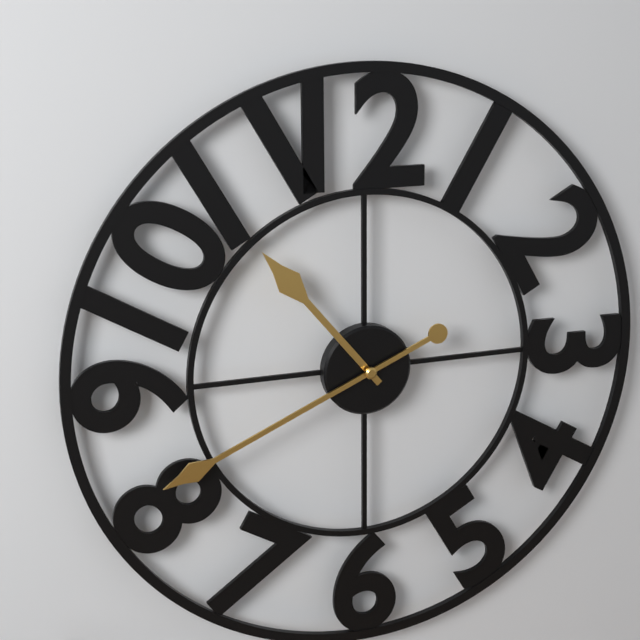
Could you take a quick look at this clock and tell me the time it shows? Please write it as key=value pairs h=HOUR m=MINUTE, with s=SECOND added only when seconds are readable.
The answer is h=10 m=41
